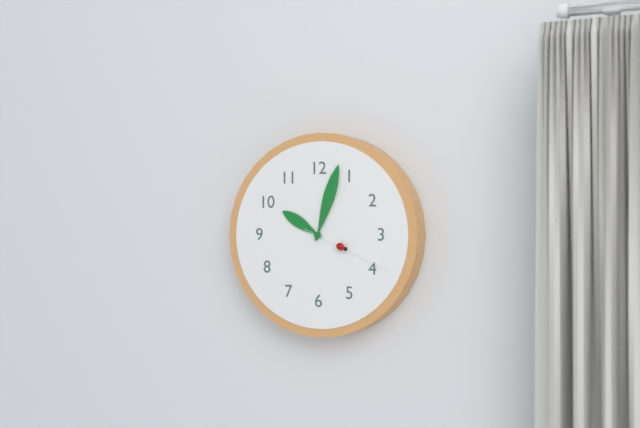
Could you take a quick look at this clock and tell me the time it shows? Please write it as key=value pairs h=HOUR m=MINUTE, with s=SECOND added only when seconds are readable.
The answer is h=10 m=3 s=19
